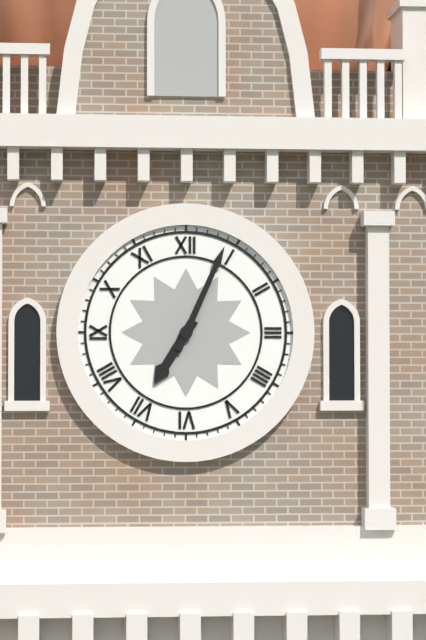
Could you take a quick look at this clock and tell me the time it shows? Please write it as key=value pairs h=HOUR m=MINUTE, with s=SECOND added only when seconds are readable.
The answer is h=7 m=4
